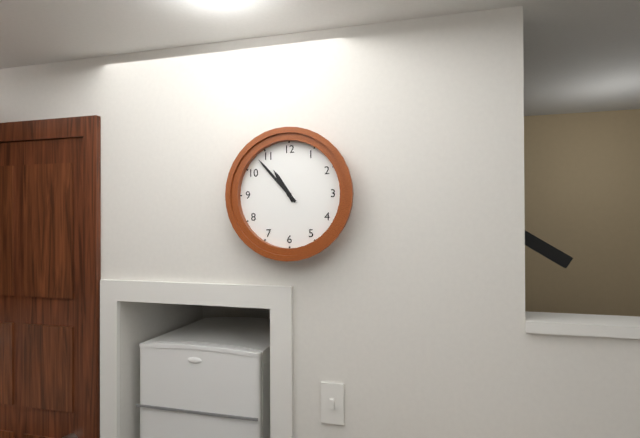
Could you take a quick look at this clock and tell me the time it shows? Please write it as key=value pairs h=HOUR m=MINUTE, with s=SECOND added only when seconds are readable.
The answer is h=10 m=53
